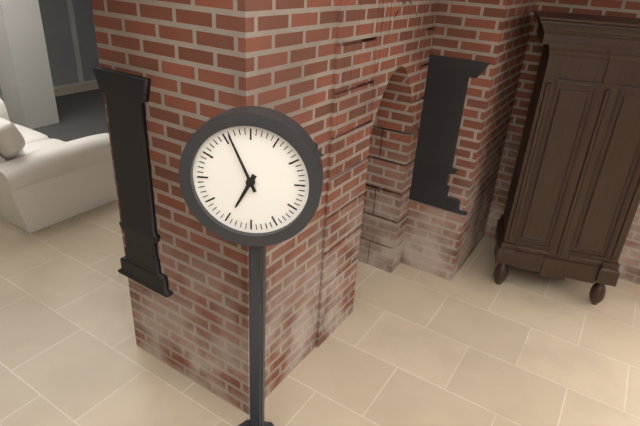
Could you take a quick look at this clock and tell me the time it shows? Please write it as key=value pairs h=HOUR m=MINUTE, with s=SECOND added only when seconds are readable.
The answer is h=6 m=56
